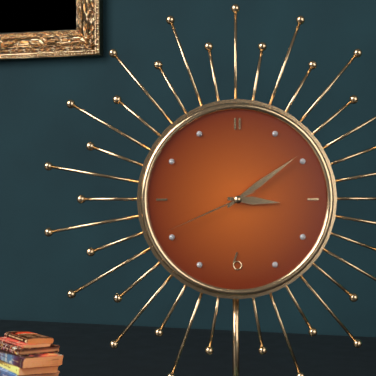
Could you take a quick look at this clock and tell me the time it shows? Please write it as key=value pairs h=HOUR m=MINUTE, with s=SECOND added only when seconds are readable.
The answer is h=3 m=9 s=41
